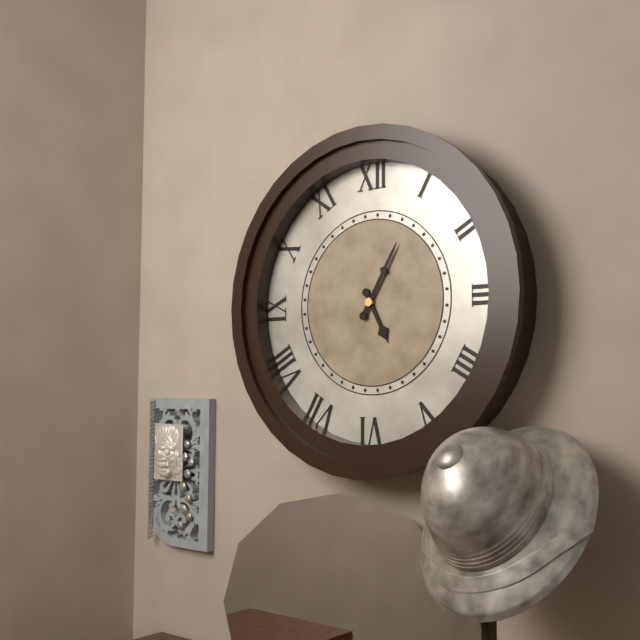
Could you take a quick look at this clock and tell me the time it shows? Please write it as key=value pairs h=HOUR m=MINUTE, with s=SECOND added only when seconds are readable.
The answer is h=5 m=5
